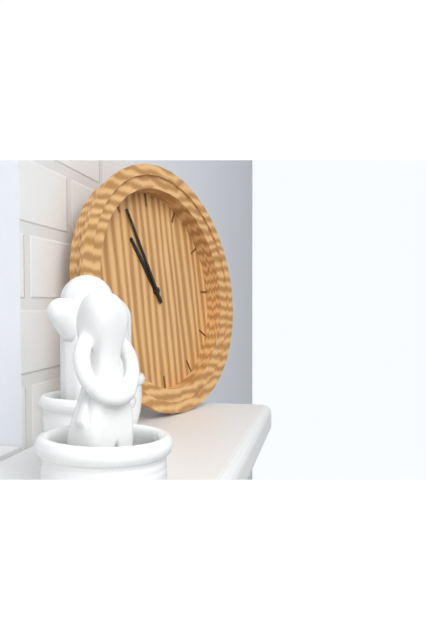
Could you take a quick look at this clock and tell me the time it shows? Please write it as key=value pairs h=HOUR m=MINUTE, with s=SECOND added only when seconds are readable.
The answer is h=10 m=56
